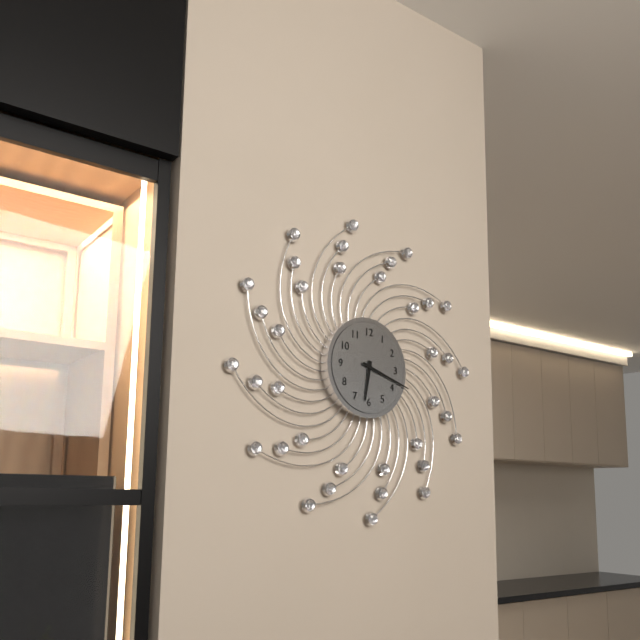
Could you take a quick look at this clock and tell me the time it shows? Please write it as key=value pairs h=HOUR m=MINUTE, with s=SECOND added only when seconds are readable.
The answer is h=6 m=18
